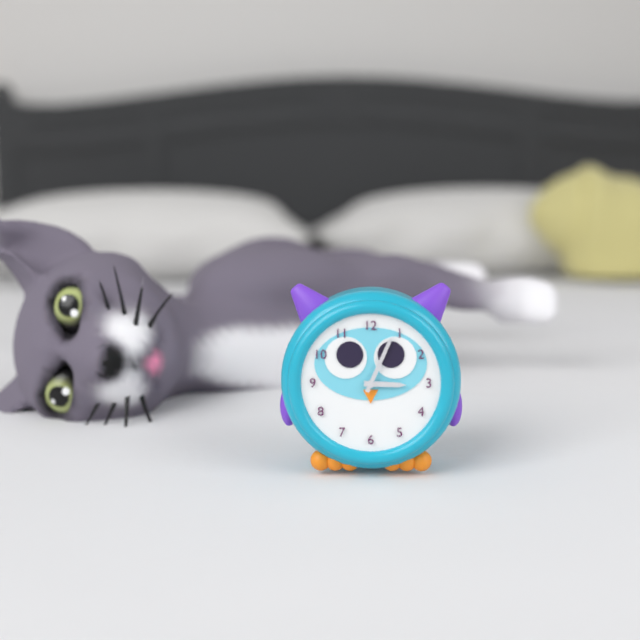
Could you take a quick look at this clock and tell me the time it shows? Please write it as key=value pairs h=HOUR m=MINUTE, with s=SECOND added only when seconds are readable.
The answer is h=3 m=4
